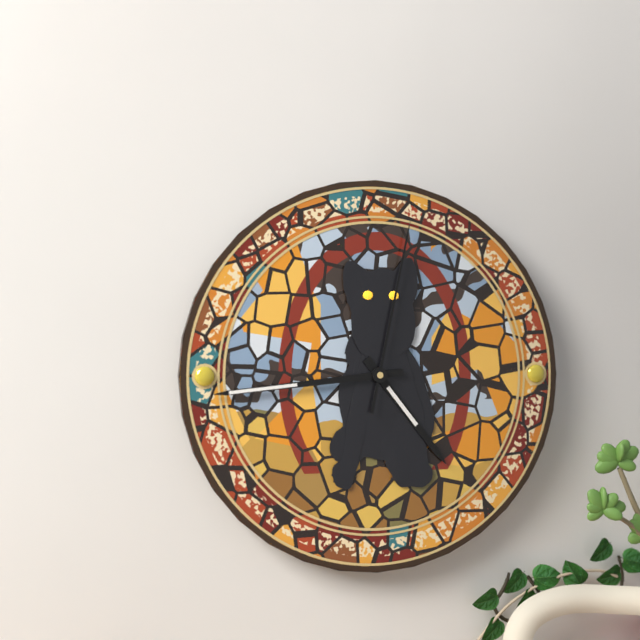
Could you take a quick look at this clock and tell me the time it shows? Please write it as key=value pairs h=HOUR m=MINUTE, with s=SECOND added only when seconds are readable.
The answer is h=4 m=44 s=2
